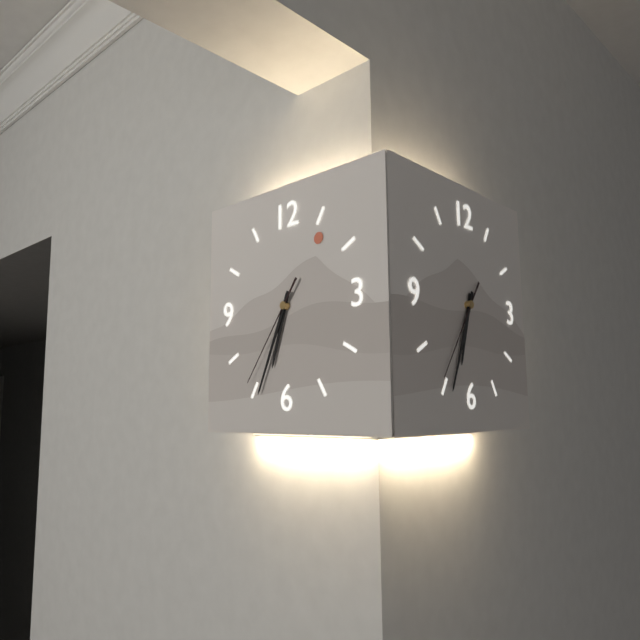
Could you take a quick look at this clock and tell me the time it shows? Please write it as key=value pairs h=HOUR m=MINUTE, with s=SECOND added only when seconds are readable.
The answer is h=6 m=34 s=36
